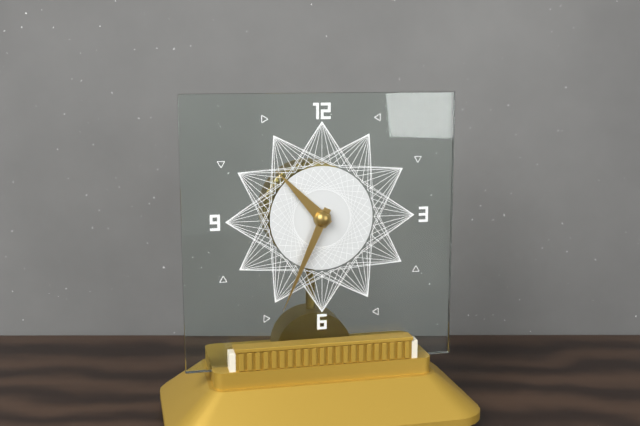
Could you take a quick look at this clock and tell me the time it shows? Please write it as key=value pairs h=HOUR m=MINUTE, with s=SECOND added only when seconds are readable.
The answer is h=10 m=34
